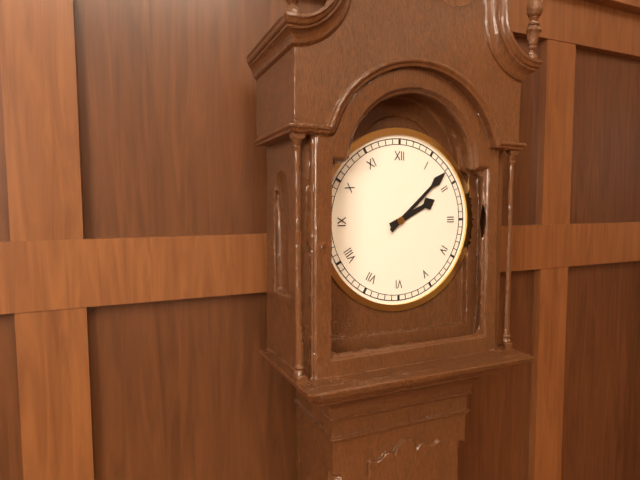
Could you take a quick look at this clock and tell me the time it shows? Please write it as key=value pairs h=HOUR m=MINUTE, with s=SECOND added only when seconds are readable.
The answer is h=2 m=8
